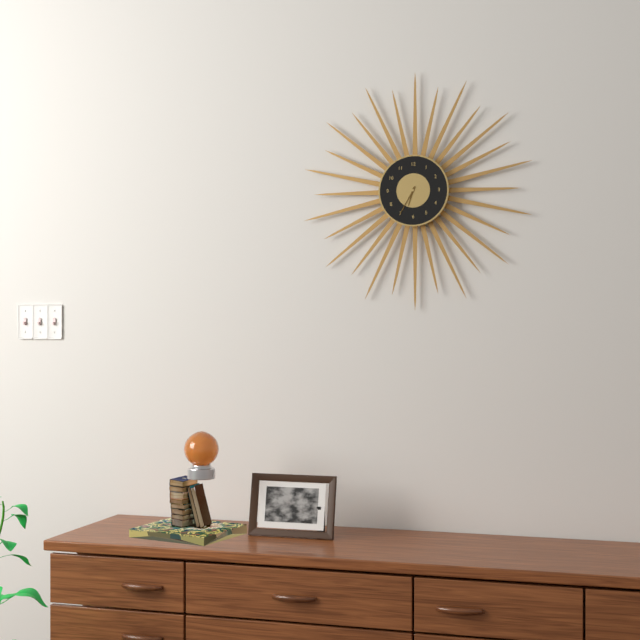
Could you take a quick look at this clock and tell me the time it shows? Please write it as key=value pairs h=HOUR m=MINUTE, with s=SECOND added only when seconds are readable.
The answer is h=6 m=35
